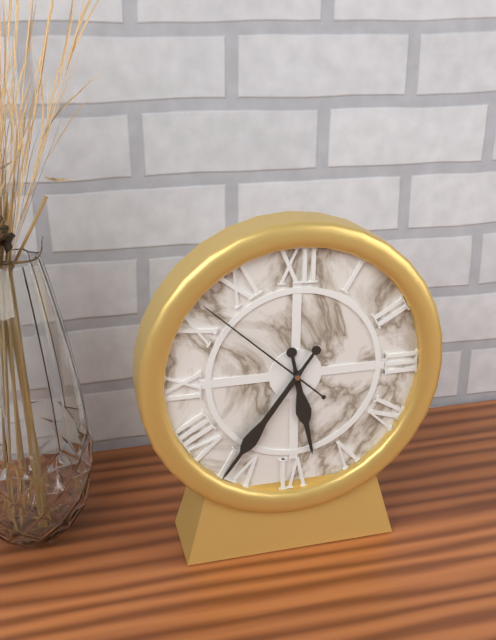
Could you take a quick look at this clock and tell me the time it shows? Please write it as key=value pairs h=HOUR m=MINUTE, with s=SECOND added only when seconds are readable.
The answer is h=5 m=36 s=52
